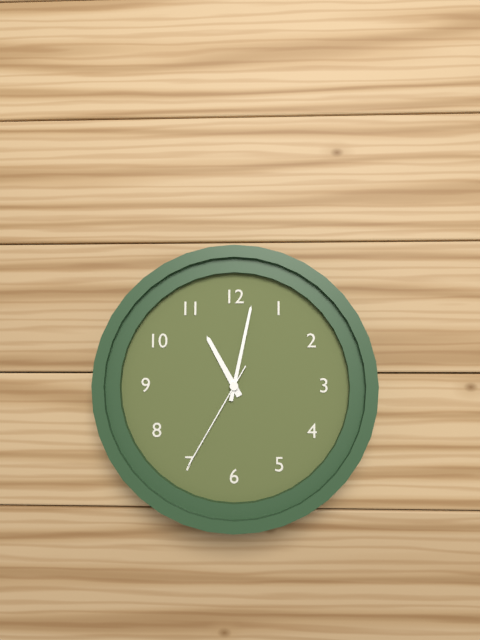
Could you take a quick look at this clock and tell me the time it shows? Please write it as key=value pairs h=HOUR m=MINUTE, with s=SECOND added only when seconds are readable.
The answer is h=11 m=2 s=35
